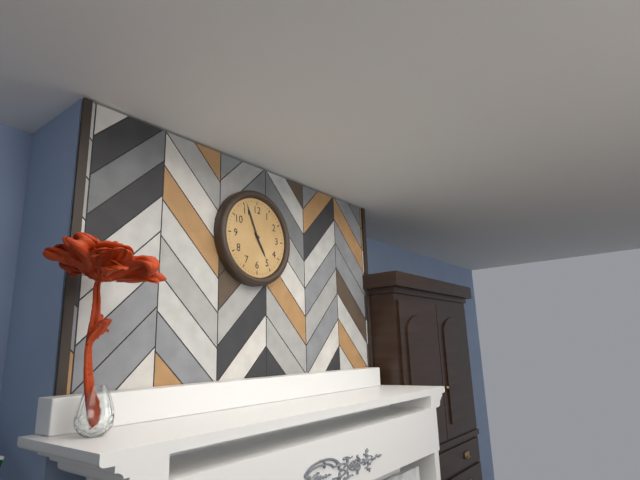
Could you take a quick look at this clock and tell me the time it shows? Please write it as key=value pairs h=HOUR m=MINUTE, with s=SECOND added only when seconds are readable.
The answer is h=4 m=56
